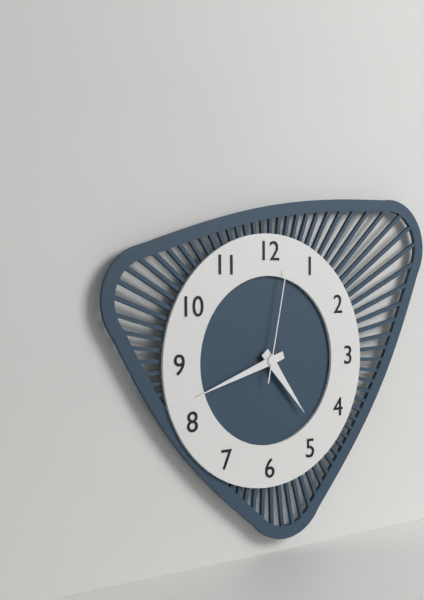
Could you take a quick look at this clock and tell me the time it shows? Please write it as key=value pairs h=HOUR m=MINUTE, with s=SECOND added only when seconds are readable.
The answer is h=4 m=42 s=2
